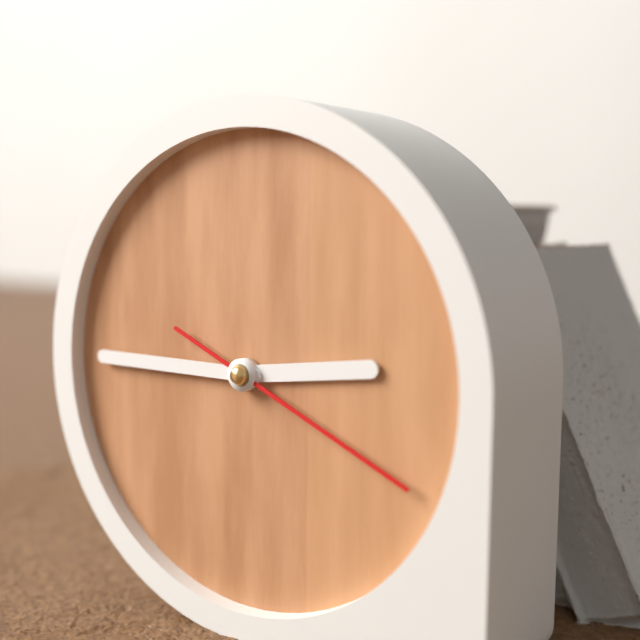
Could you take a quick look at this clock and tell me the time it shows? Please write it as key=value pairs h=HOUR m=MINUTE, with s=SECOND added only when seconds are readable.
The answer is h=2 m=45 s=19
